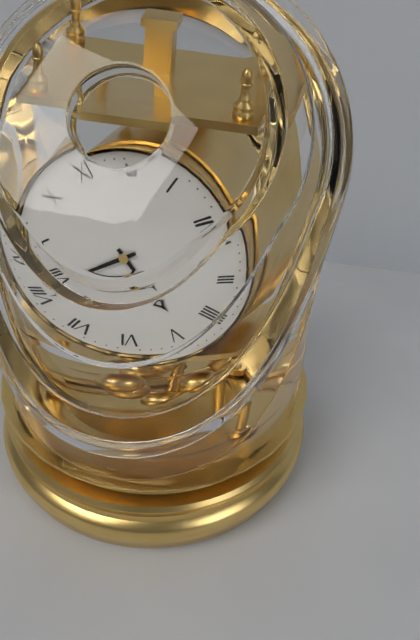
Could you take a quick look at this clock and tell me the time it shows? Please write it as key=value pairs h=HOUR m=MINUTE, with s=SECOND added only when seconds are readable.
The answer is h=4 m=40
